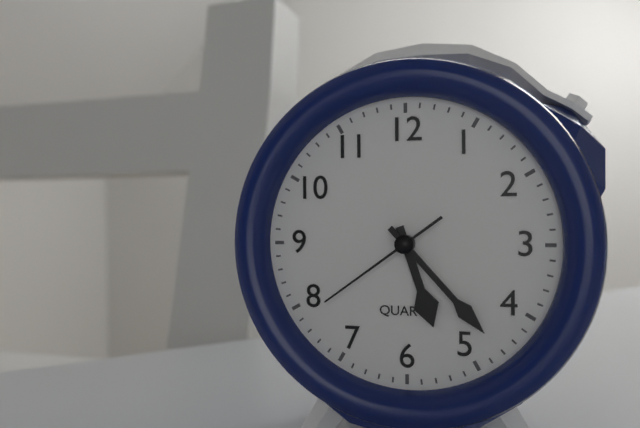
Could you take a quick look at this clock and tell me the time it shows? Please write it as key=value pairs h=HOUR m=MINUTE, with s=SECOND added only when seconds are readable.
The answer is h=5 m=23 s=39
